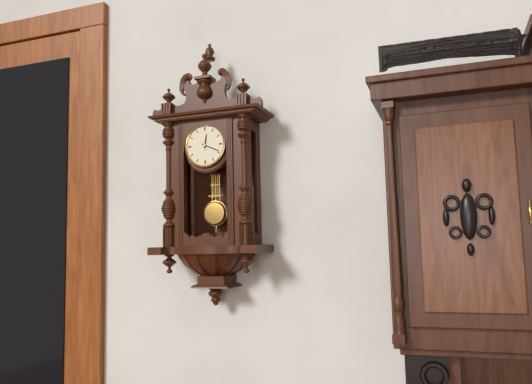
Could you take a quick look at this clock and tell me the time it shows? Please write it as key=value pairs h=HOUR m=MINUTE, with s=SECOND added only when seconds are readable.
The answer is h=12 m=19
